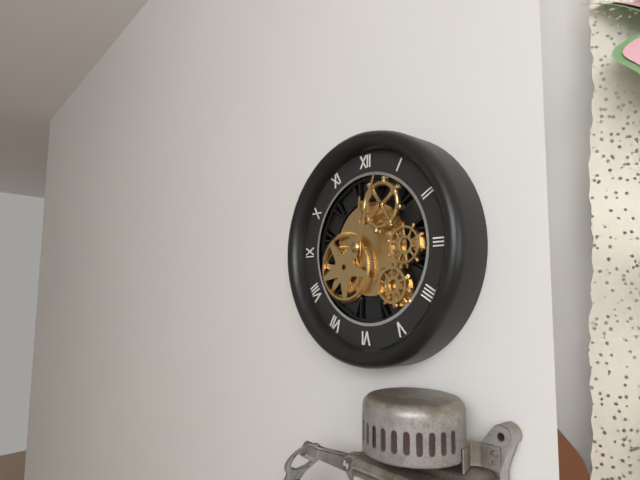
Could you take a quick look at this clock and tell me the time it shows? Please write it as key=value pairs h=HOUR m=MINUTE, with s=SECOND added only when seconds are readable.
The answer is h=12 m=3
